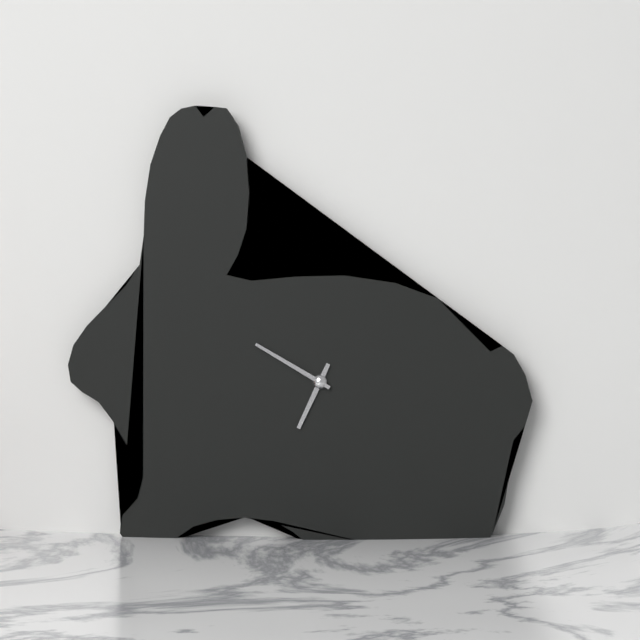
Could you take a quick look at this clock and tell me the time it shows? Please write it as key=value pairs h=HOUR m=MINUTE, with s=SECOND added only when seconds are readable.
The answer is h=6 m=50
